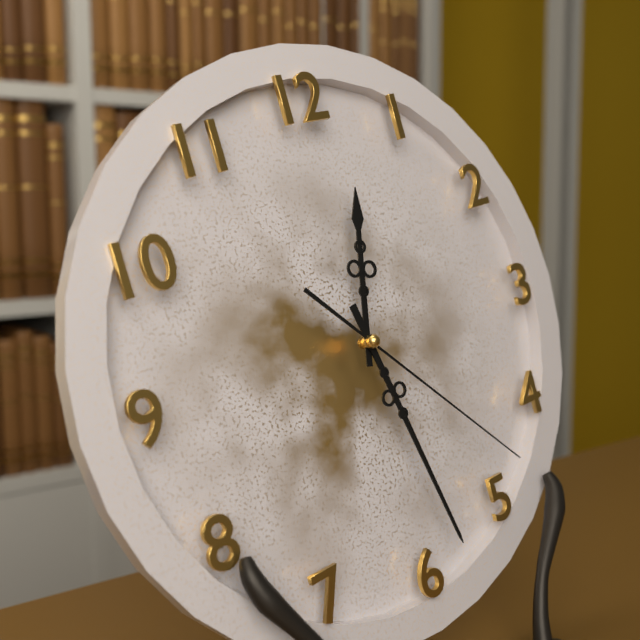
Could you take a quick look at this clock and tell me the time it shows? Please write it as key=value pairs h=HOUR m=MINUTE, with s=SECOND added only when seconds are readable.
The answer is h=12 m=28 s=23
